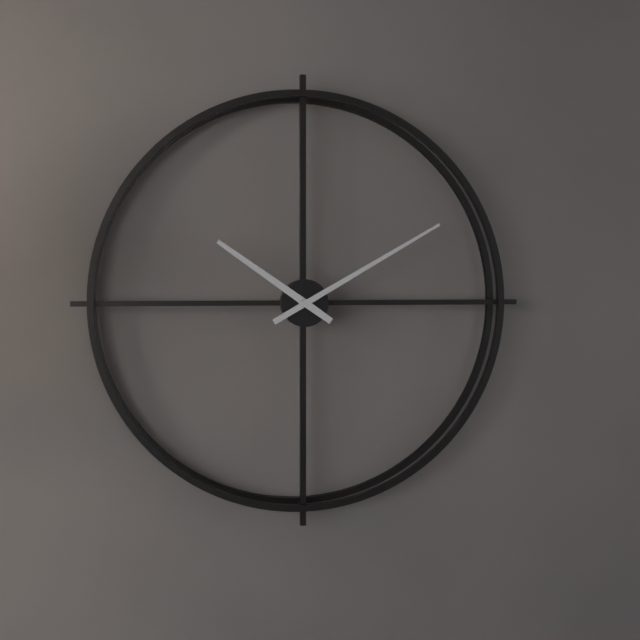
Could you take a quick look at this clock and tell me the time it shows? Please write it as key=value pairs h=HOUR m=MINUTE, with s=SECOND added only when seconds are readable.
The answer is h=10 m=10
